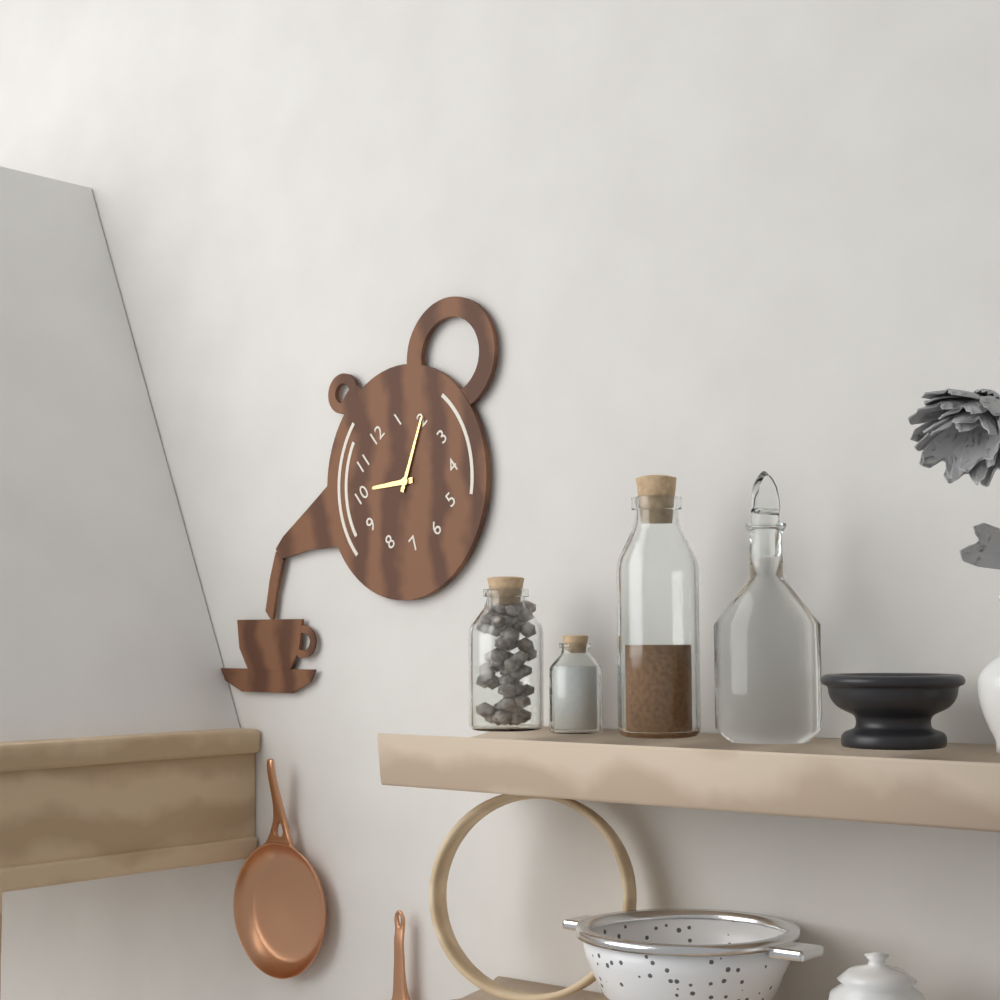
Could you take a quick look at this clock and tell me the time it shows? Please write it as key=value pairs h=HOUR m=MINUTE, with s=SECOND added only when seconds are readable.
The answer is h=10 m=10
